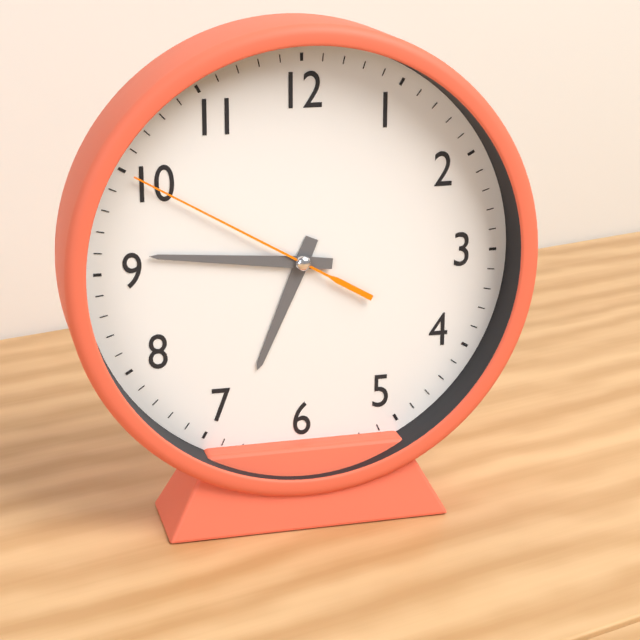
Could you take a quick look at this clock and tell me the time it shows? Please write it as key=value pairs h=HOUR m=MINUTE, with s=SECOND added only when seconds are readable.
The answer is h=6 m=46 s=50
